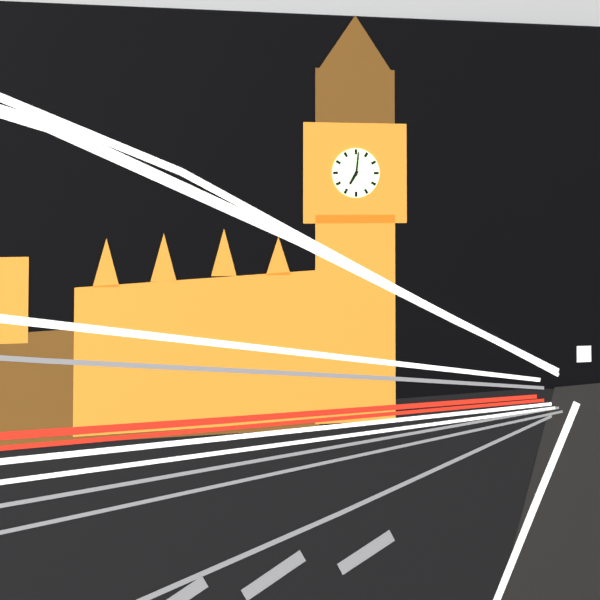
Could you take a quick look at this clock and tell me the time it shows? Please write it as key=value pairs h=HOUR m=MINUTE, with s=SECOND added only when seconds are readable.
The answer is h=7 m=1
